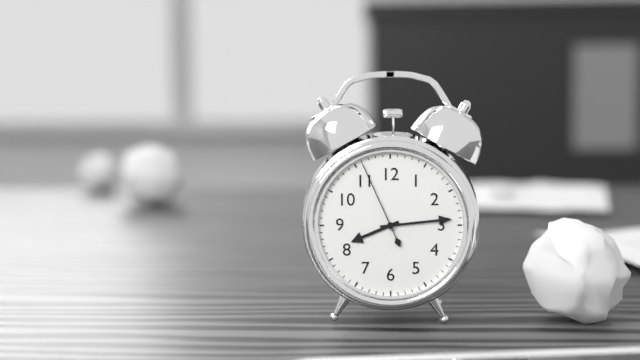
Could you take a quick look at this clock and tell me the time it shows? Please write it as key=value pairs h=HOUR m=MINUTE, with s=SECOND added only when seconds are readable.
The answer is h=8 m=14 s=56
